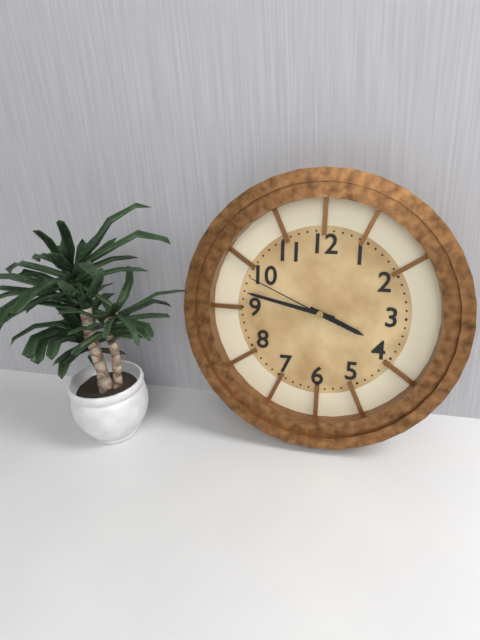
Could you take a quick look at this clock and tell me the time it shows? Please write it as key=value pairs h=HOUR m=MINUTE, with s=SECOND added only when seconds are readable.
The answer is h=3 m=47 s=49
